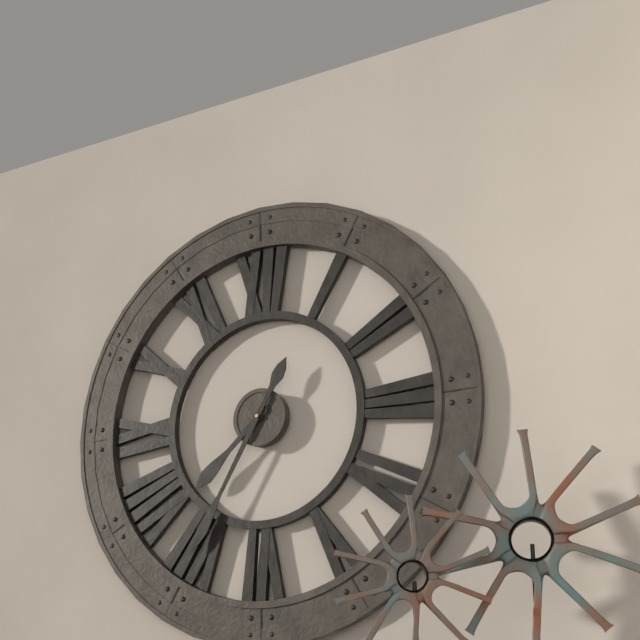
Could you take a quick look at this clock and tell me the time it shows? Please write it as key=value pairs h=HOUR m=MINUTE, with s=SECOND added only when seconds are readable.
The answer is h=7 m=35
